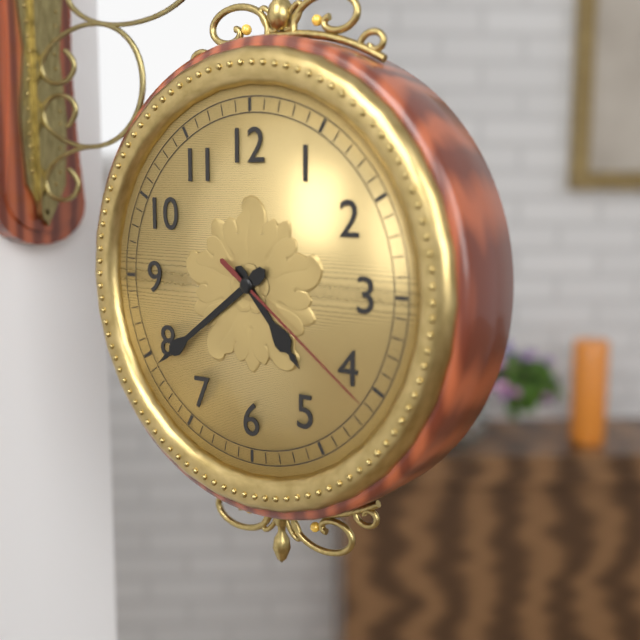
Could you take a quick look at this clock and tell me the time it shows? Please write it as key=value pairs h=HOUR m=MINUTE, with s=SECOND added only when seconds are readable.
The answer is h=4 m=39 s=21
